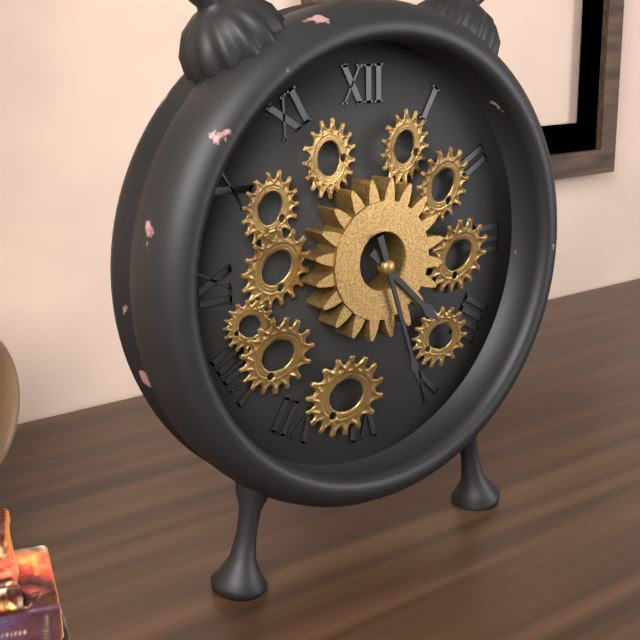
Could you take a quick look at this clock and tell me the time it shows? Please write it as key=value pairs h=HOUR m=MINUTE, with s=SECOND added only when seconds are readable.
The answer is h=4 m=27
